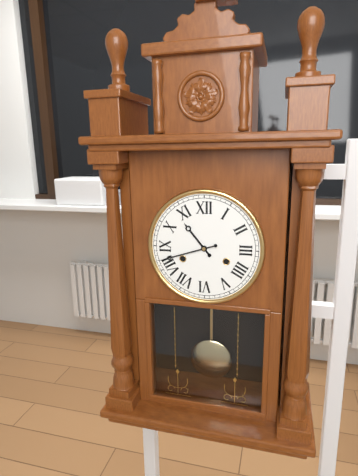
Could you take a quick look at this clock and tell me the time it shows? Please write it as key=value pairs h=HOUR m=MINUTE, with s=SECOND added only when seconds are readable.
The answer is h=10 m=42
